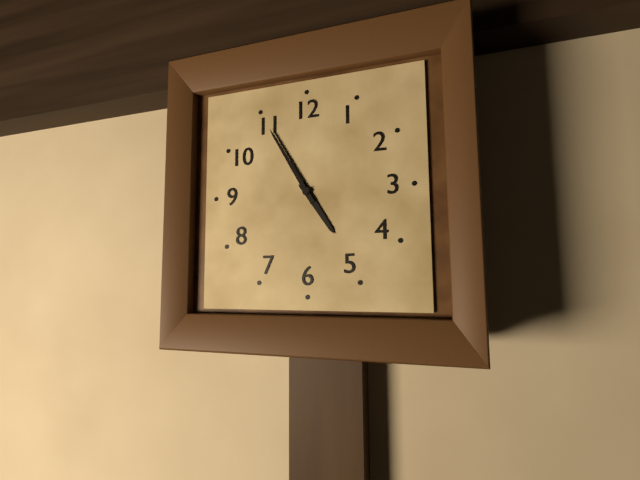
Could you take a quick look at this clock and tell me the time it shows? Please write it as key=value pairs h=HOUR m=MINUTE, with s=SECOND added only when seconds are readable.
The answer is h=4 m=55
